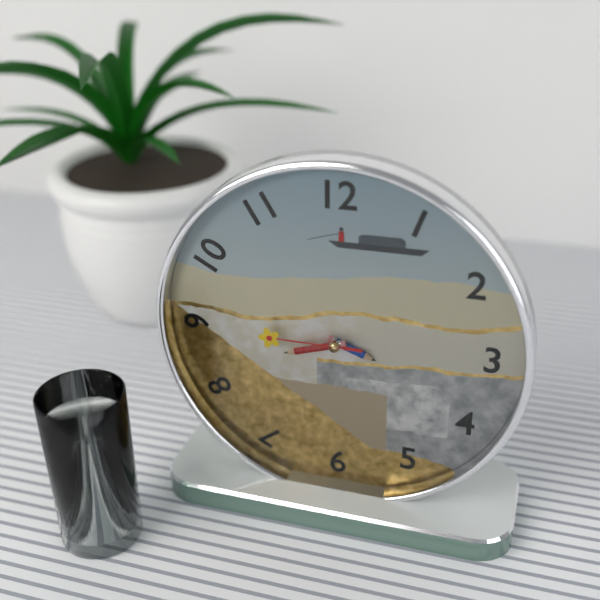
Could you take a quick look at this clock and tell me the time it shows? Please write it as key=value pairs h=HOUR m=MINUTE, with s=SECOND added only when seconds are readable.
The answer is h=3 m=42 s=45
